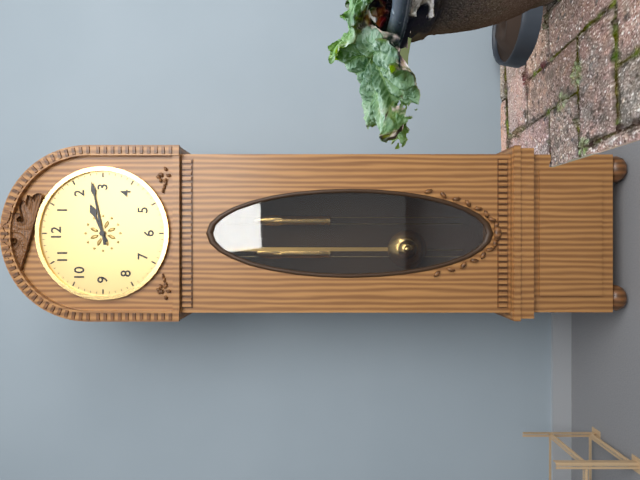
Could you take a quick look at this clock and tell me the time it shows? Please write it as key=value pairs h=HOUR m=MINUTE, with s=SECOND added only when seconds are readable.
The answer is h=2 m=13
